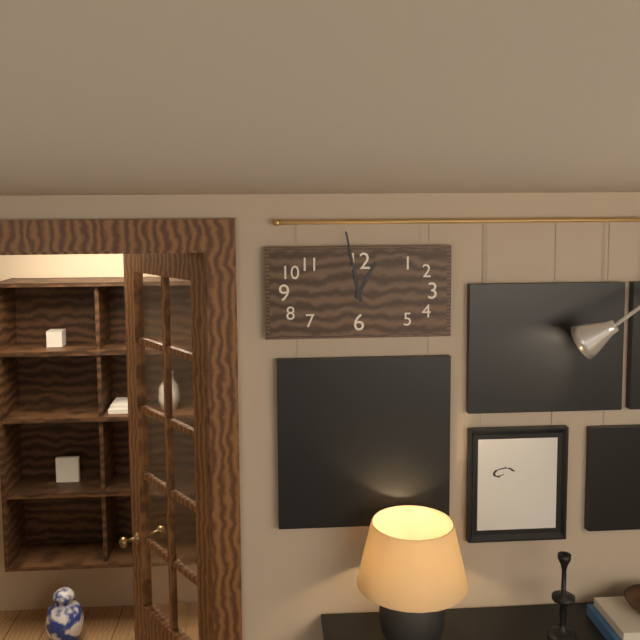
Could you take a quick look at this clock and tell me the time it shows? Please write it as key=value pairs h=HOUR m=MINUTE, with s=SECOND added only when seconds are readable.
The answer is h=12 m=58
